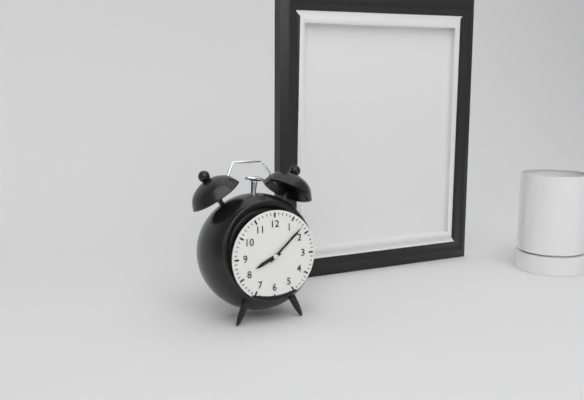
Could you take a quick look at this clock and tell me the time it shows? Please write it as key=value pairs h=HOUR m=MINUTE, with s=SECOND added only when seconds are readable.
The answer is h=8 m=8
